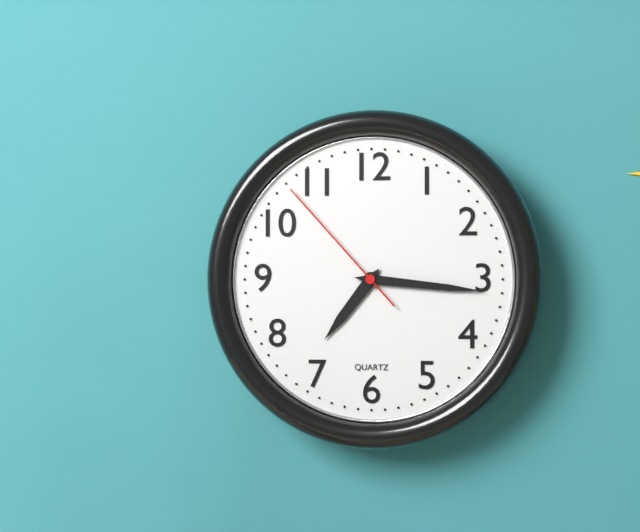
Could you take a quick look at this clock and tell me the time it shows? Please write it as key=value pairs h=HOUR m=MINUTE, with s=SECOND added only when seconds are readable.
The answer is h=7 m=16 s=53
